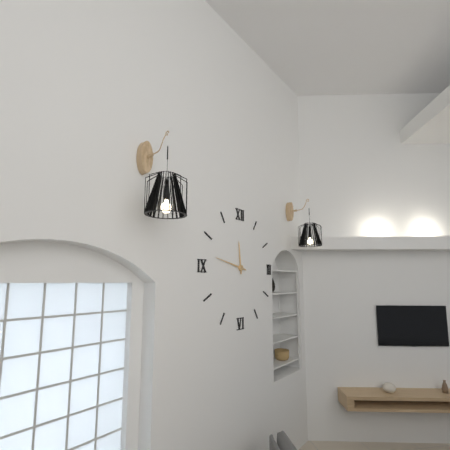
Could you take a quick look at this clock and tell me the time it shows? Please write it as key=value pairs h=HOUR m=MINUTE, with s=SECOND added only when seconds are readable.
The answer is h=11 m=47
